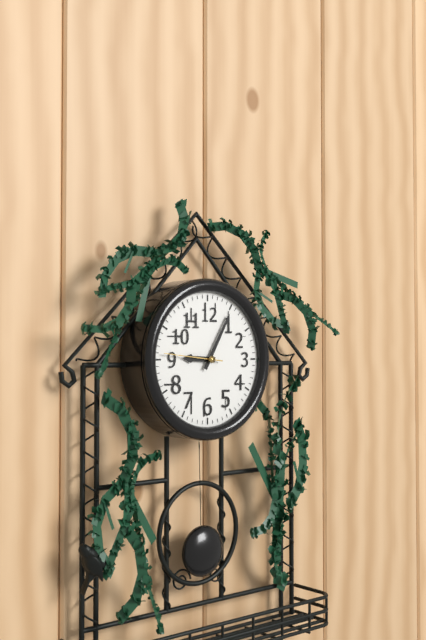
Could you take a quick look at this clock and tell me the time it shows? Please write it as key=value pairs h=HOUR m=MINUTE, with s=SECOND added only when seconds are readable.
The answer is h=9 m=5 s=46
